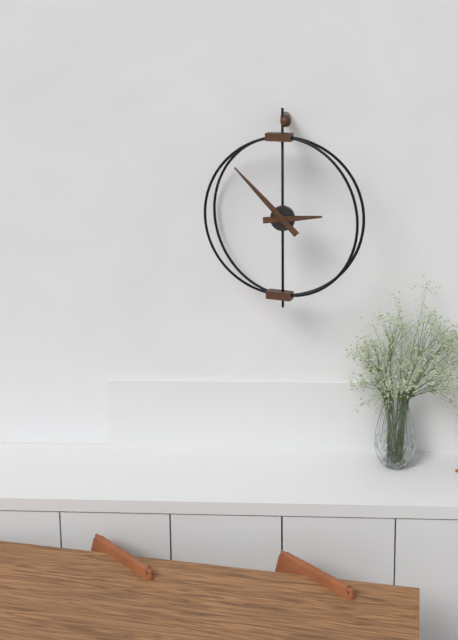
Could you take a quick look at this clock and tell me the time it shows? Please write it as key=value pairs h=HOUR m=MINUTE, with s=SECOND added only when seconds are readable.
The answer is h=2 m=53
